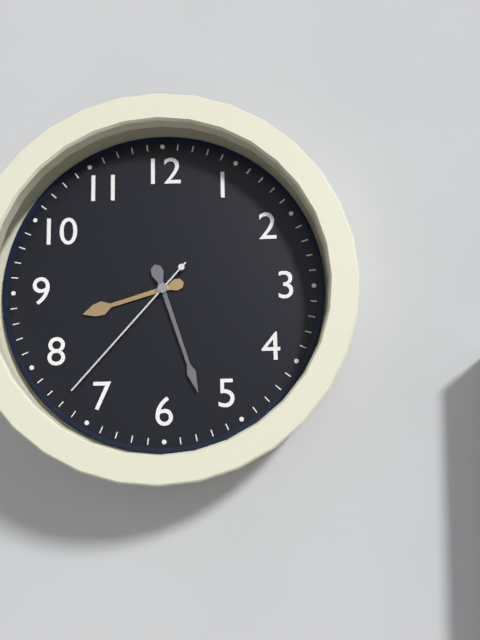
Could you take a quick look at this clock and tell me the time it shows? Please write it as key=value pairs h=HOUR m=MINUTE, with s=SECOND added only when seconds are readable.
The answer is h=8 m=27 s=37
